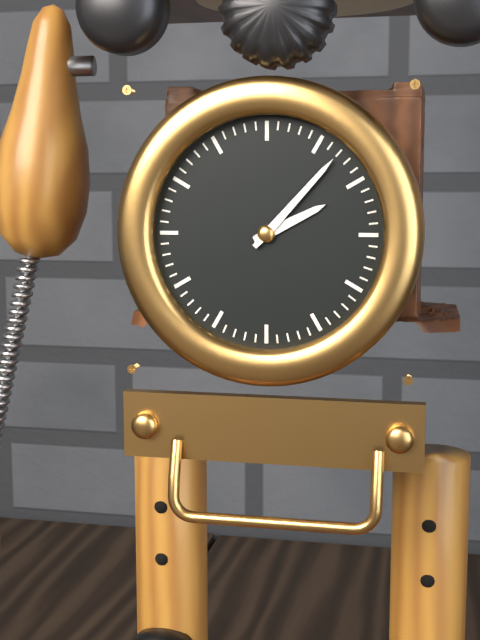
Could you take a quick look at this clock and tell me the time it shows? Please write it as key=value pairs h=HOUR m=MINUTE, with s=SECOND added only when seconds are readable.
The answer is h=2 m=7
